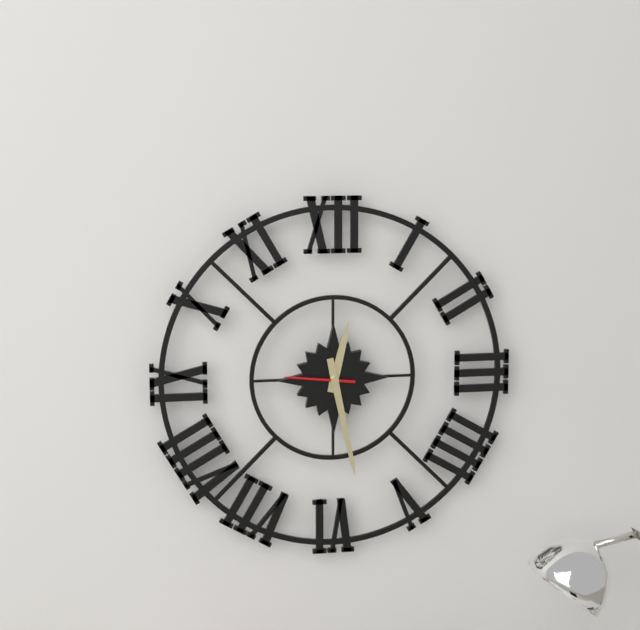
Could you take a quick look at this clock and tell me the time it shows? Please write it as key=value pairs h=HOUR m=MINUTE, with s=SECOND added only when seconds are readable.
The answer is h=12 m=28 s=46
